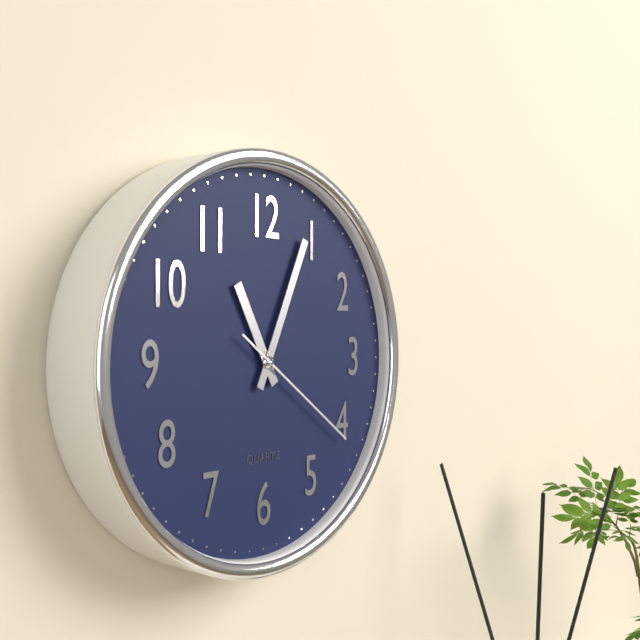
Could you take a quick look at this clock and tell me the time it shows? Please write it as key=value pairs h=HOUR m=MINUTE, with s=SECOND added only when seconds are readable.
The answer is h=11 m=4 s=21
